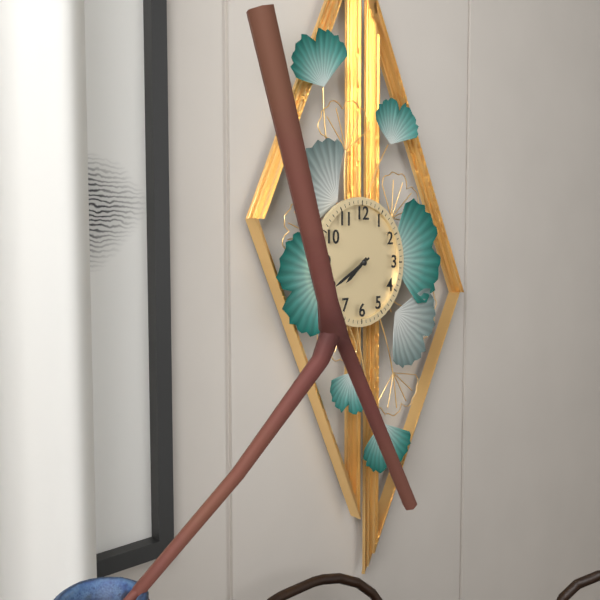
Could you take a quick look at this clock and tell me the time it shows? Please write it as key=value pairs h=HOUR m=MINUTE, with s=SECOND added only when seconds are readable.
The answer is h=7 m=40
